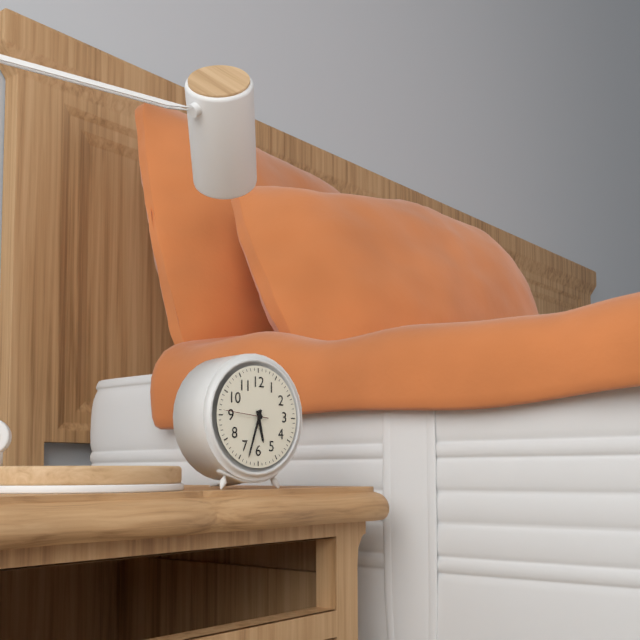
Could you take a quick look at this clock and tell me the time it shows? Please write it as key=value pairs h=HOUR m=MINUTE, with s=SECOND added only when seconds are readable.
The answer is h=5 m=33
